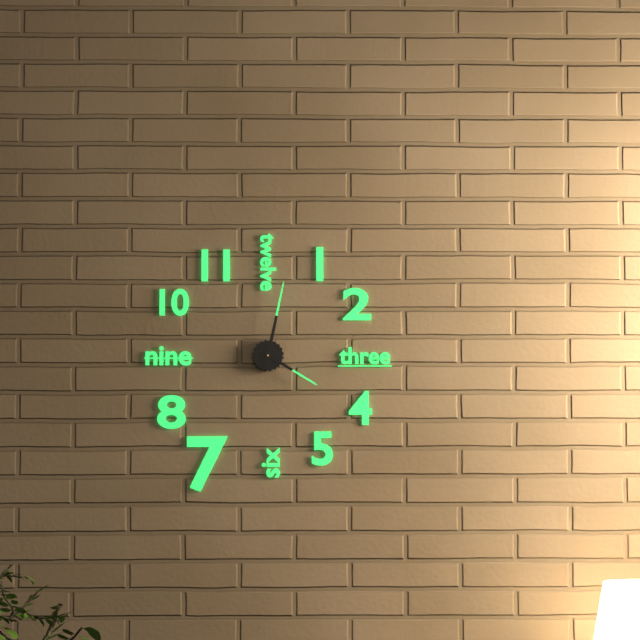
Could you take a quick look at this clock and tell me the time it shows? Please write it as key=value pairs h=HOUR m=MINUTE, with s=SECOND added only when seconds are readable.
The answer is h=4 m=2
